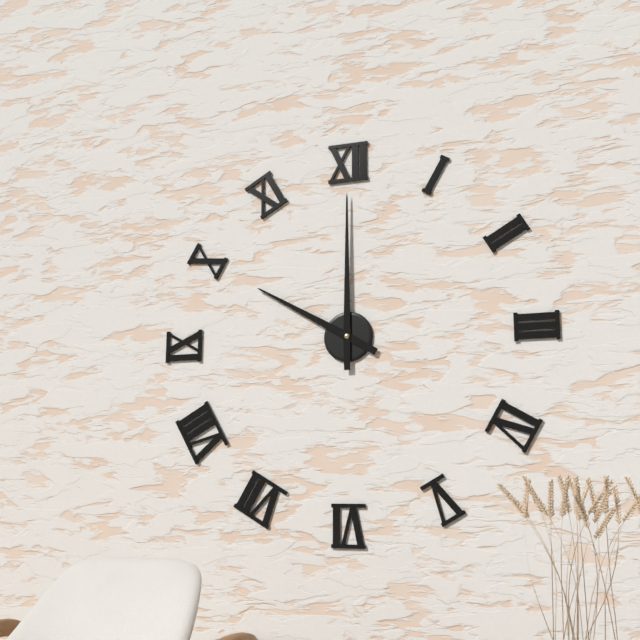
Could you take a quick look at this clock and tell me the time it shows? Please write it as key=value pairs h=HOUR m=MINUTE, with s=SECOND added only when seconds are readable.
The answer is h=10 m=0
